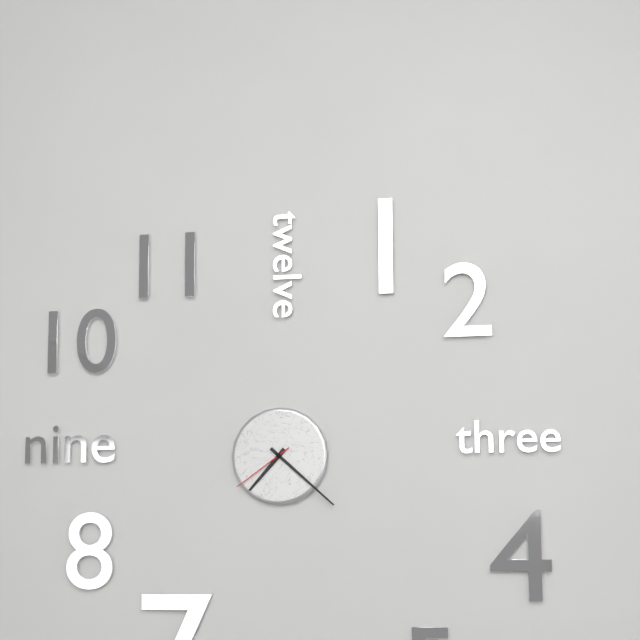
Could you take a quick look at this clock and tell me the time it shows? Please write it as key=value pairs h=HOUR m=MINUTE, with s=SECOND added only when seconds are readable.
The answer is h=7 m=22 s=39
